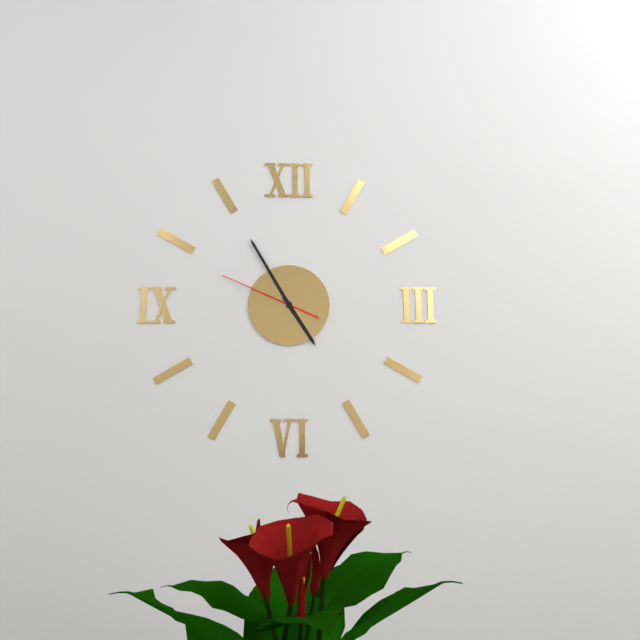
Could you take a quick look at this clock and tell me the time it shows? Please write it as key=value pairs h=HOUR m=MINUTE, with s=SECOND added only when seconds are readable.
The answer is h=4 m=55 s=49
